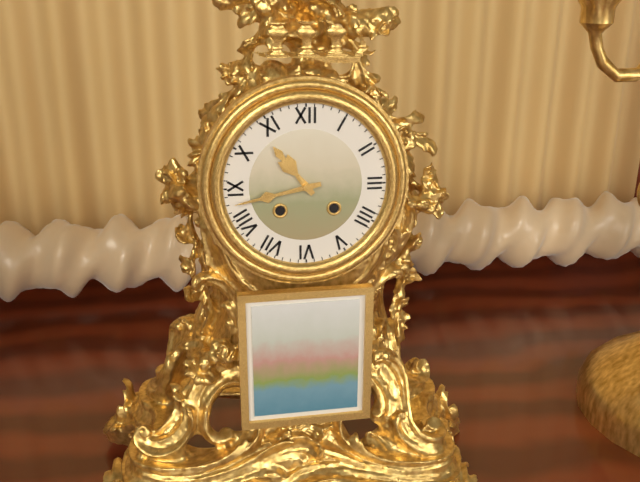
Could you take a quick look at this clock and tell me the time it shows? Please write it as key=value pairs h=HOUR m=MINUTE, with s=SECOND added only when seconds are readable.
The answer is h=10 m=43
